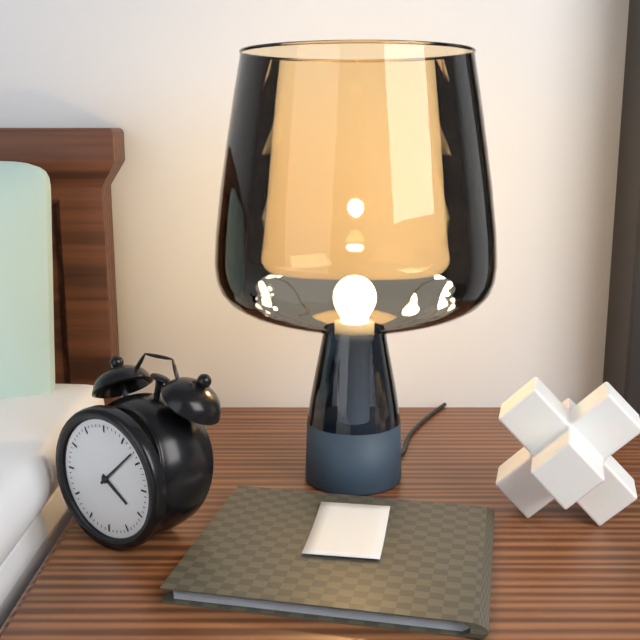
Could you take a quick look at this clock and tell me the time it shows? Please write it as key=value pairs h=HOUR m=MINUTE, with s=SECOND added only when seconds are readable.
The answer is h=4 m=8
